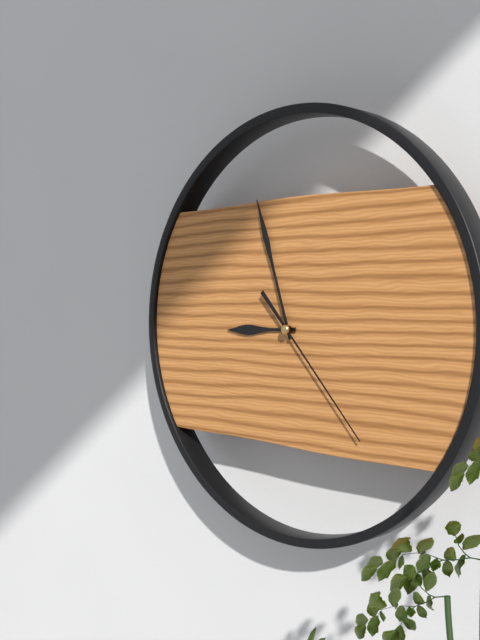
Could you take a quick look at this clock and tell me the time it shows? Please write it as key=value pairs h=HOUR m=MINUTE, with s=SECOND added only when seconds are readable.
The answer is h=8 m=57 s=23
